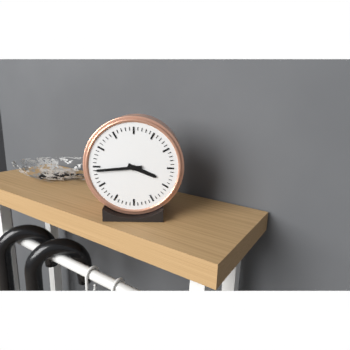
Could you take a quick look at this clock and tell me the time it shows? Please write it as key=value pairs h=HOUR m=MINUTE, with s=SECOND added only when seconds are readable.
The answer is h=3 m=44
